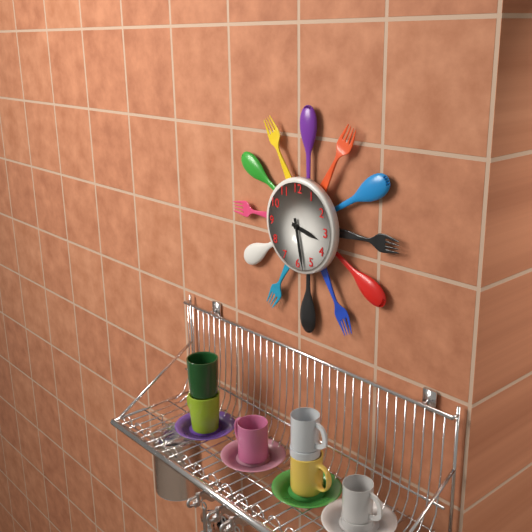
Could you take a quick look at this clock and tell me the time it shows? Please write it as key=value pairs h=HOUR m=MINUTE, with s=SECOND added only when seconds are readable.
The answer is h=3 m=28
